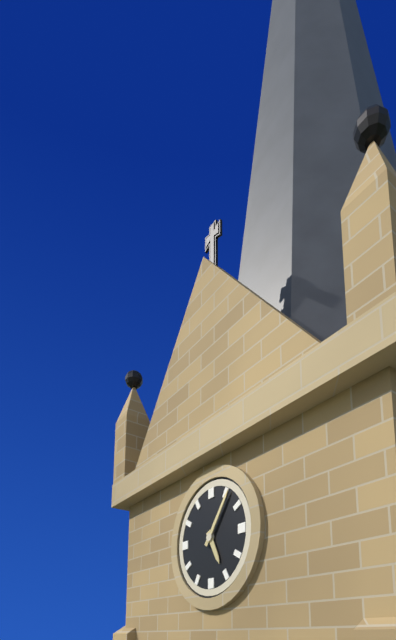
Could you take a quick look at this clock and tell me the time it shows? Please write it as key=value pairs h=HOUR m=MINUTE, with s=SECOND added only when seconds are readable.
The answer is h=5 m=6
